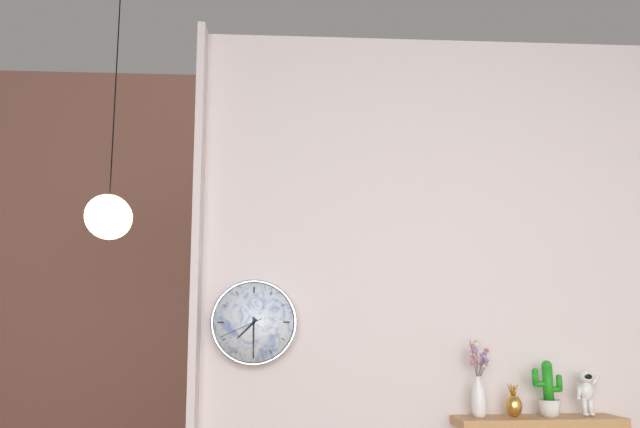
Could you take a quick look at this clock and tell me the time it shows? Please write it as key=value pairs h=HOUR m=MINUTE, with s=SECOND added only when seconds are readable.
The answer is h=7 m=30
